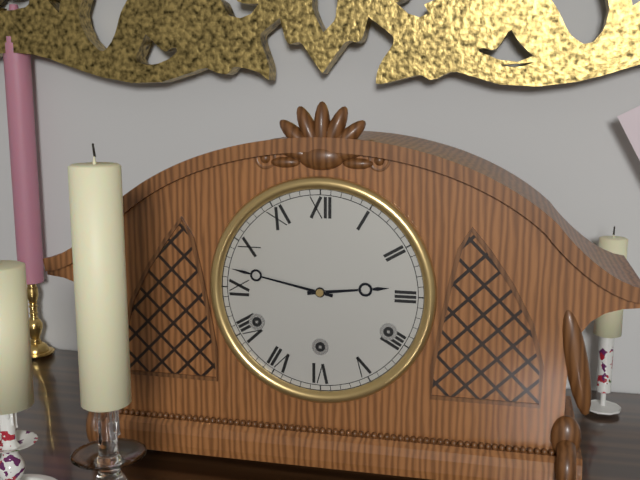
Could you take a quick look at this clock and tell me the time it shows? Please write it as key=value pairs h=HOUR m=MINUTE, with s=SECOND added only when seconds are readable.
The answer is h=2 m=47
